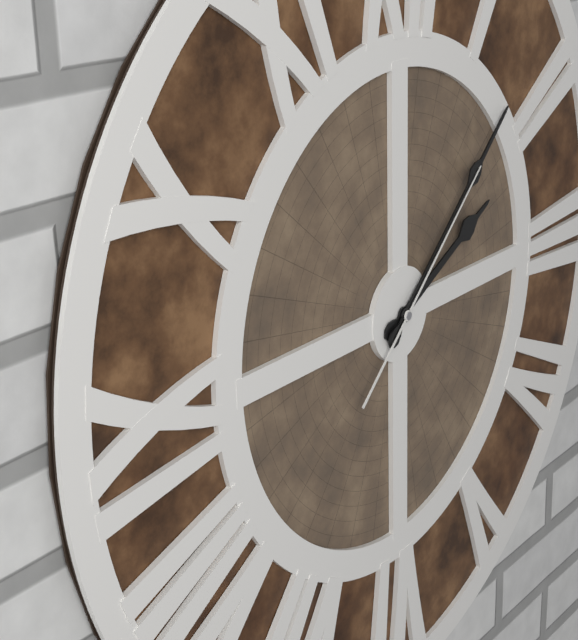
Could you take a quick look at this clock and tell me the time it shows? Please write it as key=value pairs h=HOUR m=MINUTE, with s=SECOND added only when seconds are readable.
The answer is h=2 m=8 s=8
